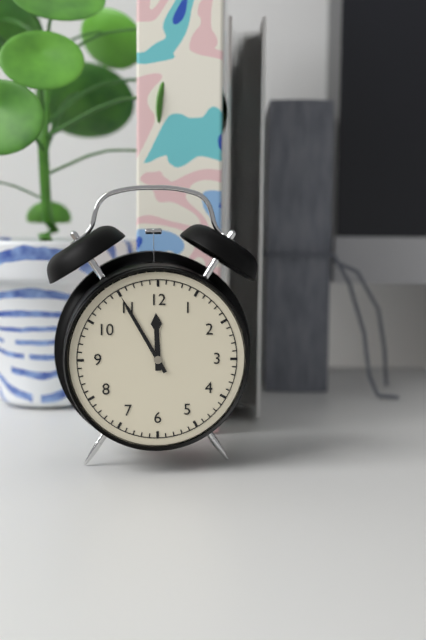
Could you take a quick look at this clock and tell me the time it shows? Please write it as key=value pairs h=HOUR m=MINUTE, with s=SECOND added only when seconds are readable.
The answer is h=11 m=55
